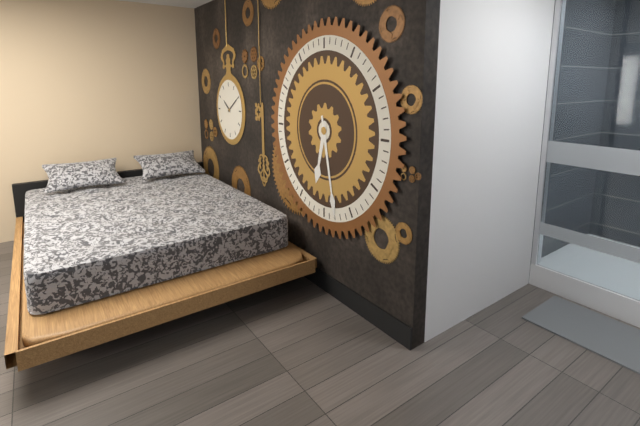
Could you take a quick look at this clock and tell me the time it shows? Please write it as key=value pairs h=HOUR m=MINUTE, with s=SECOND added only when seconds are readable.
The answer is h=6 m=28
